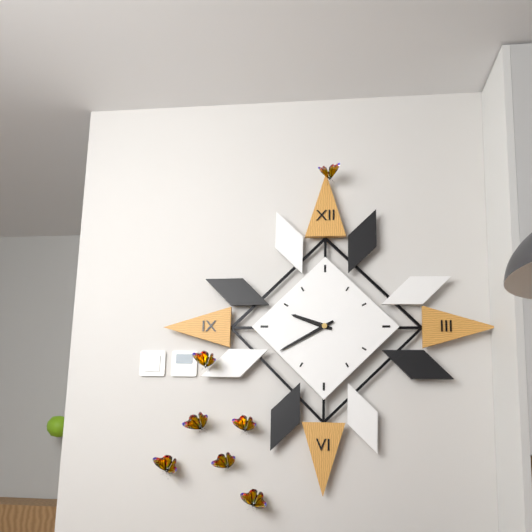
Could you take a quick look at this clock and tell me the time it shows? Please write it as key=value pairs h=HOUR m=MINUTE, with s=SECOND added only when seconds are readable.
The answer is h=9 m=40
